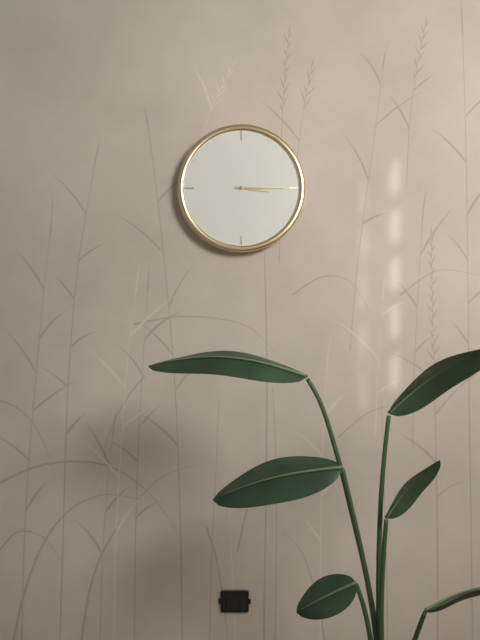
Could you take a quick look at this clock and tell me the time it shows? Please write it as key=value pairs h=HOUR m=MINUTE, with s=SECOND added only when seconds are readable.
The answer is h=3 m=15
